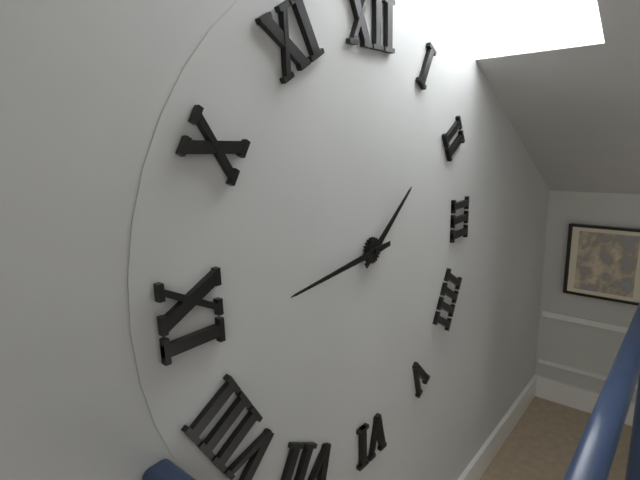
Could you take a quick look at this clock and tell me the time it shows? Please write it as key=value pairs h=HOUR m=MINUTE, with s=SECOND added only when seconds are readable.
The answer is h=1 m=44
